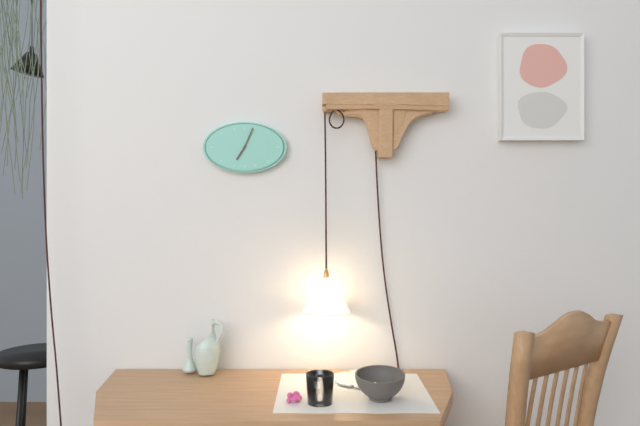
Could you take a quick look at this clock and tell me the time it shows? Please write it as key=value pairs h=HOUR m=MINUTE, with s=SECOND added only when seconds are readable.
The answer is h=7 m=4
